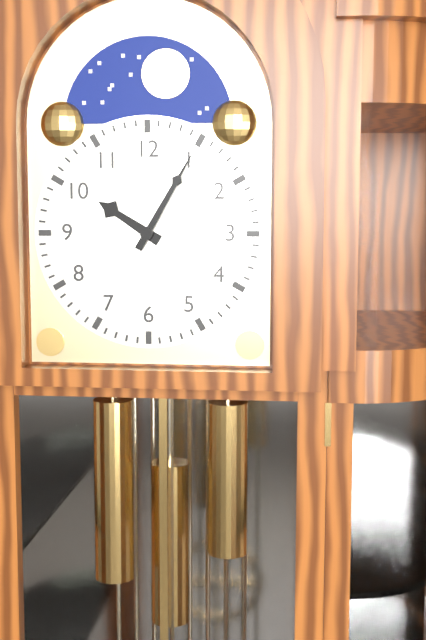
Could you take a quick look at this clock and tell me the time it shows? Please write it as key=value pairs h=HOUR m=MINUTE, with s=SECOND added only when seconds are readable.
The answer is h=10 m=5
